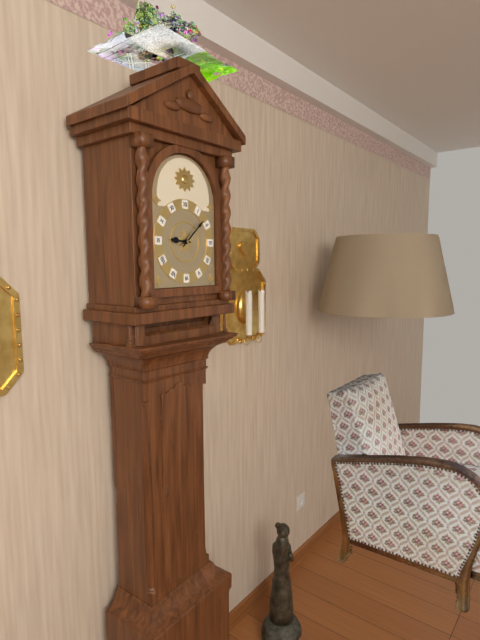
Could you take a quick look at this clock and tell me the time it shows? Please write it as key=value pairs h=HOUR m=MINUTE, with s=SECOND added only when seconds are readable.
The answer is h=9 m=8
